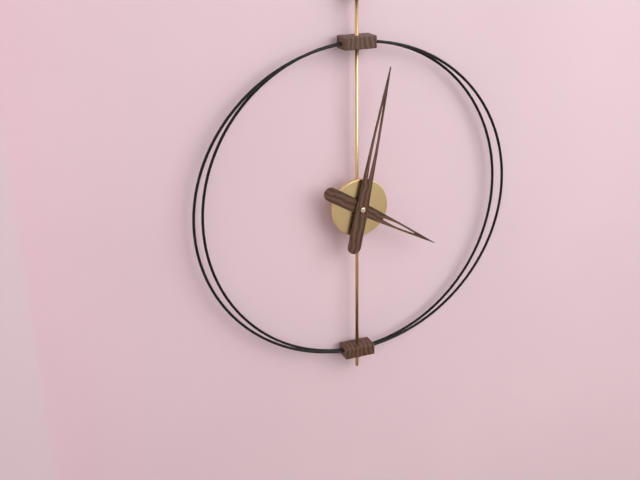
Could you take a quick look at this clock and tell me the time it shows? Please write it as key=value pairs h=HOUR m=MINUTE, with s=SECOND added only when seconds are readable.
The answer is h=4 m=2
